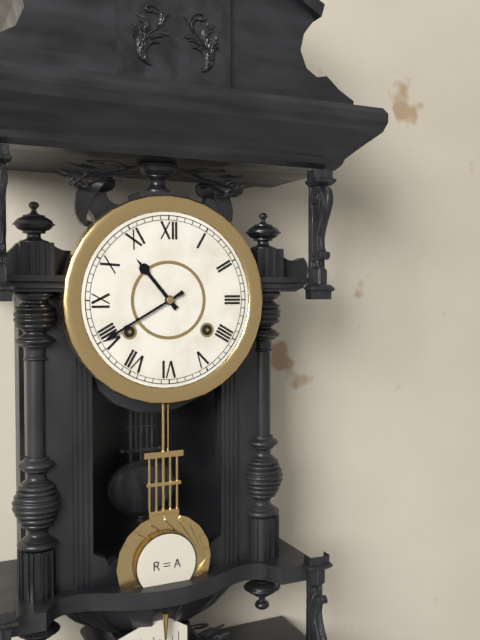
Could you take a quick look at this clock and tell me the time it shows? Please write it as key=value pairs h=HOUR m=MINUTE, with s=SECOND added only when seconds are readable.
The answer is h=10 m=40
